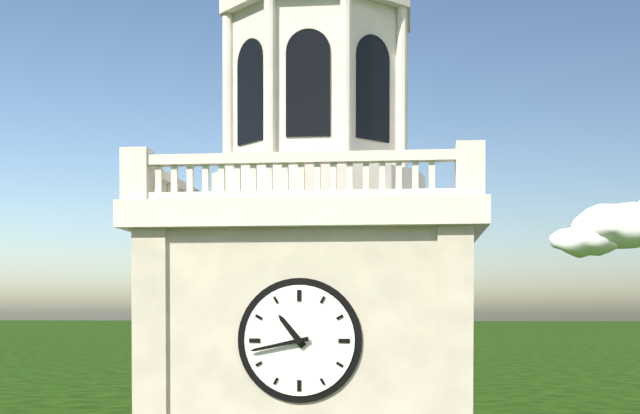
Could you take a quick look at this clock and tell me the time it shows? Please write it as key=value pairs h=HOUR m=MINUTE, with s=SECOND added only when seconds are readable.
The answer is h=10 m=43
